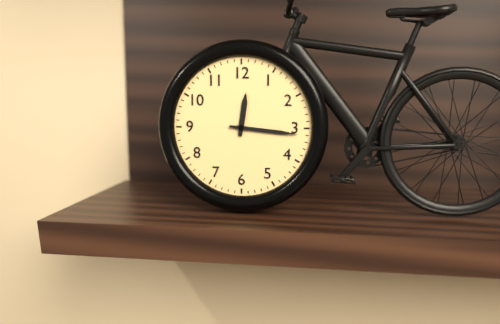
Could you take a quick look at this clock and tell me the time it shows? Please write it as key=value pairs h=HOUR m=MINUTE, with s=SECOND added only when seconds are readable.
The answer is h=12 m=16
